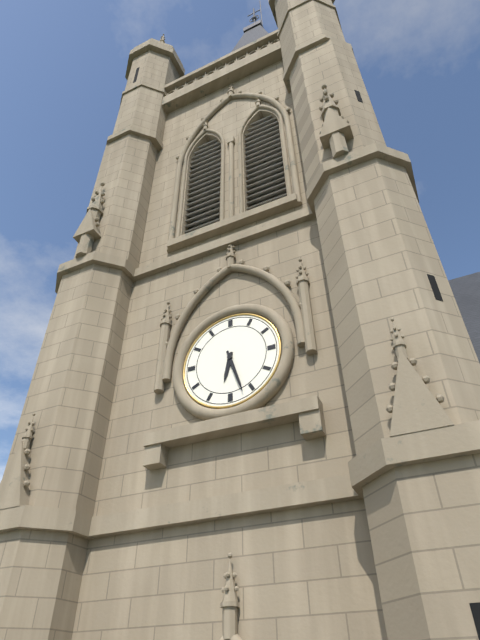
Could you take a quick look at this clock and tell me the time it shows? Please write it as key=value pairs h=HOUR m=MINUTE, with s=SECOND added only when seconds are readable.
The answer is h=6 m=27
